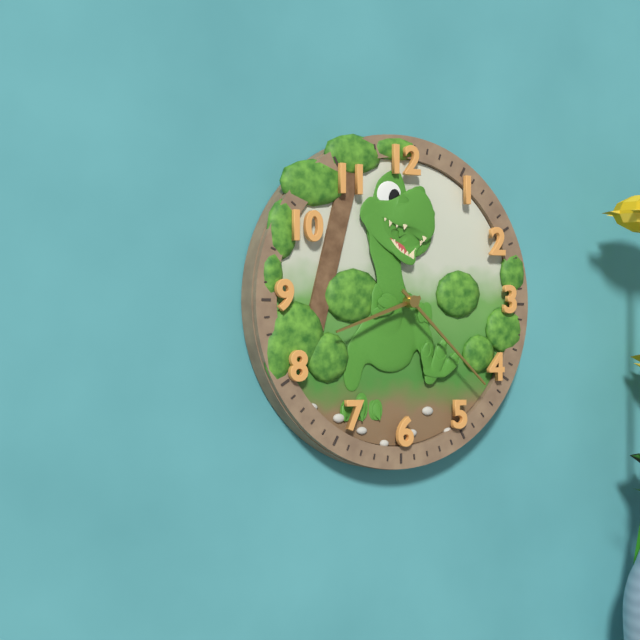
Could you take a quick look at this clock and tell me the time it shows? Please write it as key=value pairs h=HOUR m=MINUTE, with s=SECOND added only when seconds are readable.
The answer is h=8 m=22
